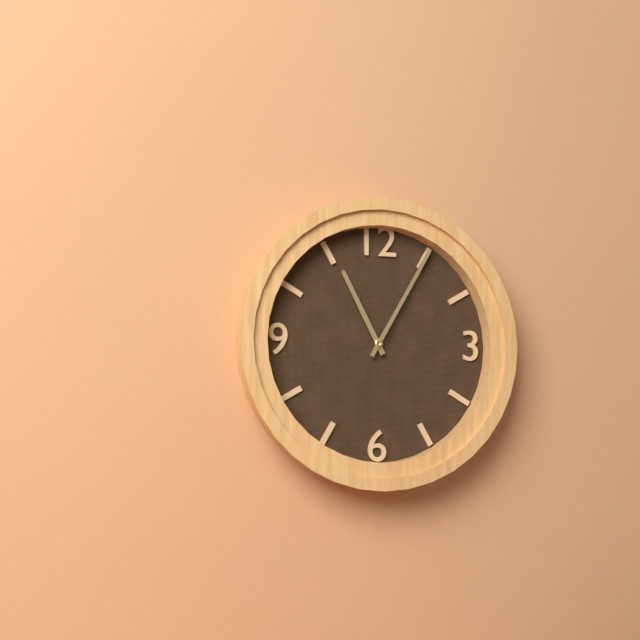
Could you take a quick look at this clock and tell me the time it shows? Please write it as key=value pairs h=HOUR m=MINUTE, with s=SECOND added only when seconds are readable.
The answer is h=11 m=5
